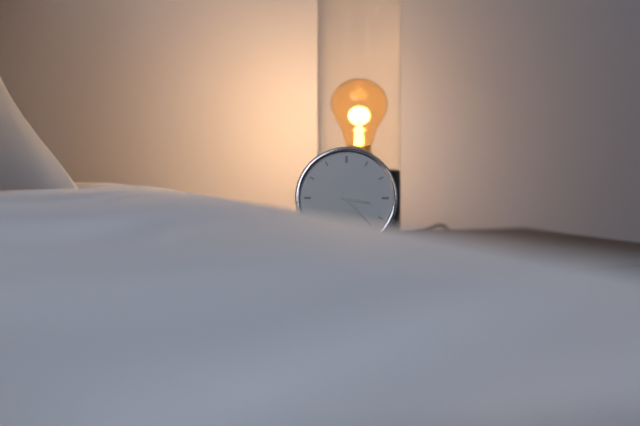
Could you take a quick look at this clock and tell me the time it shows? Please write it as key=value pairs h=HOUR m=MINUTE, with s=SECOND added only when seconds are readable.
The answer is h=3 m=23
